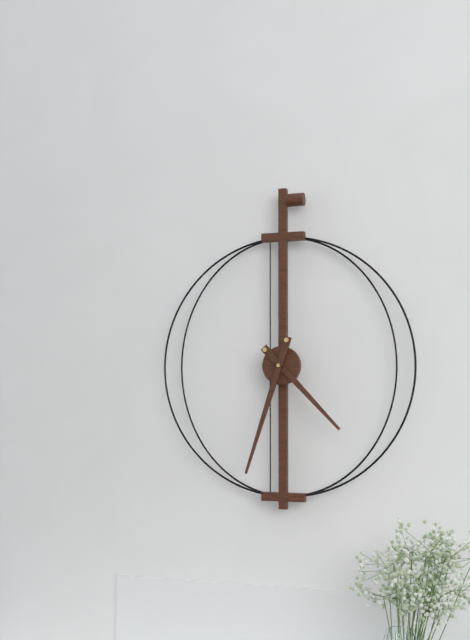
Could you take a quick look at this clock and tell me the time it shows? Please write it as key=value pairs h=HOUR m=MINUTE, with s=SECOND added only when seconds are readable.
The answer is h=4 m=33
